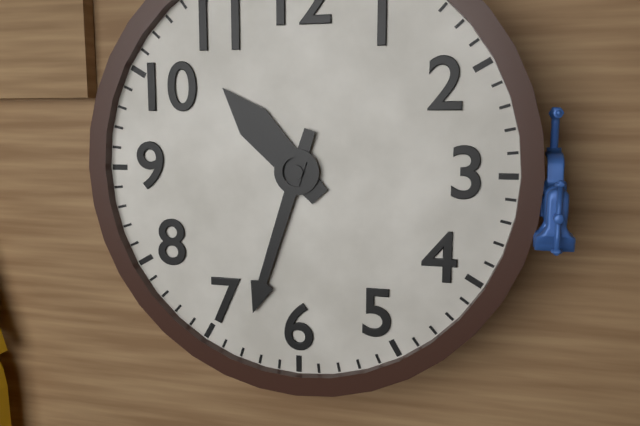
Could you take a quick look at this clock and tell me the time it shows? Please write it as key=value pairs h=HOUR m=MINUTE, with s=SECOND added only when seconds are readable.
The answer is h=10 m=33
